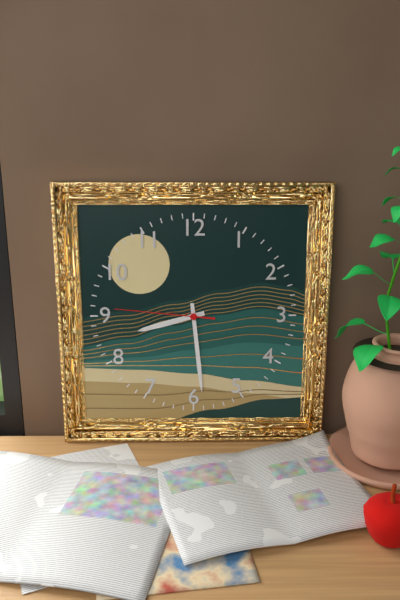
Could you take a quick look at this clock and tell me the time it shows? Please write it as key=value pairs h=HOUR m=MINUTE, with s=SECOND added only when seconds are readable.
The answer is h=8 m=29 s=46
